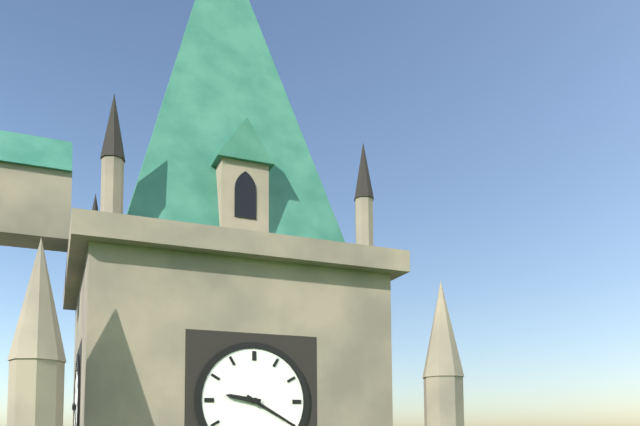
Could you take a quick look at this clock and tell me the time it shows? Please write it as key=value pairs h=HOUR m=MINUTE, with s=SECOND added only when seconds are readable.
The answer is h=9 m=20
